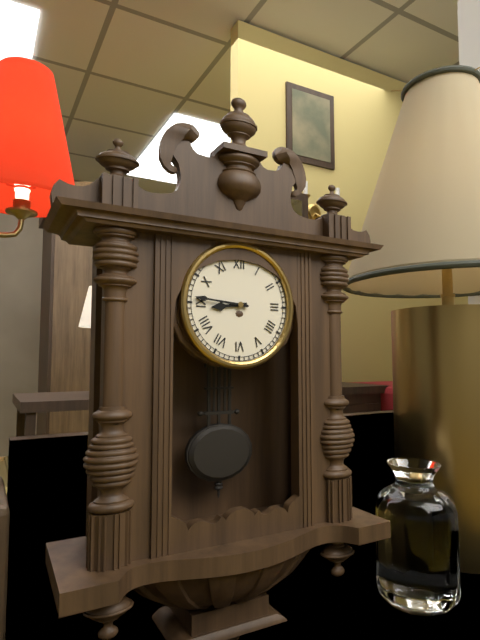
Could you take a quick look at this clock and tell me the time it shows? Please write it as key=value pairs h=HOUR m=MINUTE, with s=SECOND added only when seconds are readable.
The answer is h=8 m=46
